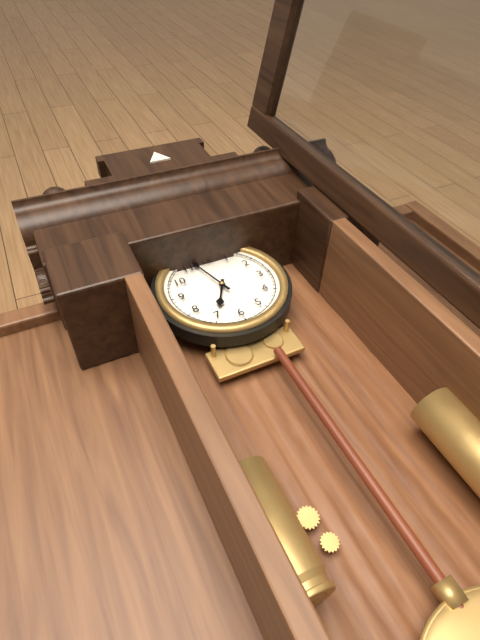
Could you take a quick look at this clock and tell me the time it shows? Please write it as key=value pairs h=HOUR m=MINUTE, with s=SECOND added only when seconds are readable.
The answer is h=6 m=57
